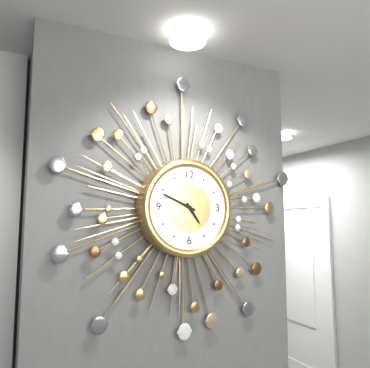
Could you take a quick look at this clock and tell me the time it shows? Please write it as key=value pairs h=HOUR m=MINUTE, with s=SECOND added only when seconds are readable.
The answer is h=4 m=49
